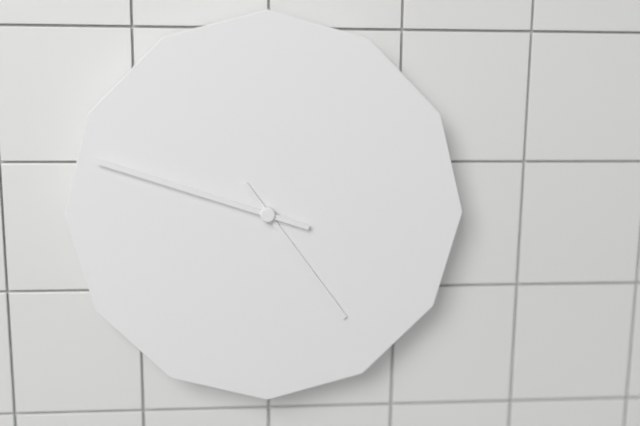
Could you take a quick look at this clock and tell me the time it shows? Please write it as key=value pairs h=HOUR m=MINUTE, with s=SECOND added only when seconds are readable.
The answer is h=4 m=48
